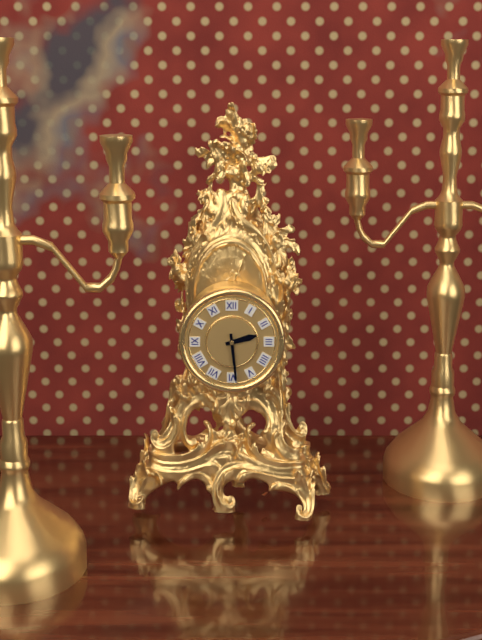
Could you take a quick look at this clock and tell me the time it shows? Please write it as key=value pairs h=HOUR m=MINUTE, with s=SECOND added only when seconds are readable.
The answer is h=2 m=29
